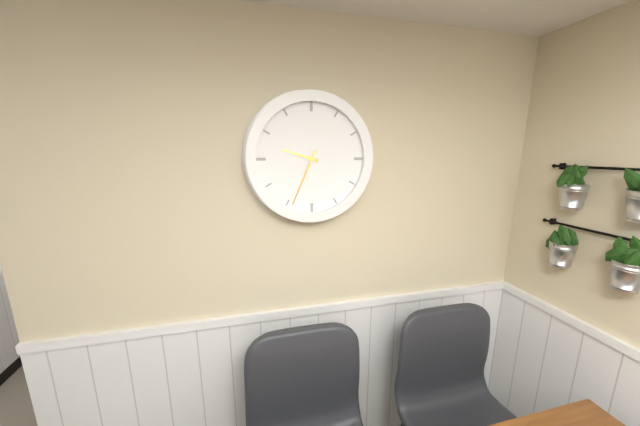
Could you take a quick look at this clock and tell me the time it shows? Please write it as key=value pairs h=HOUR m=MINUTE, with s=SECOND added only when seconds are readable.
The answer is h=9 m=34
